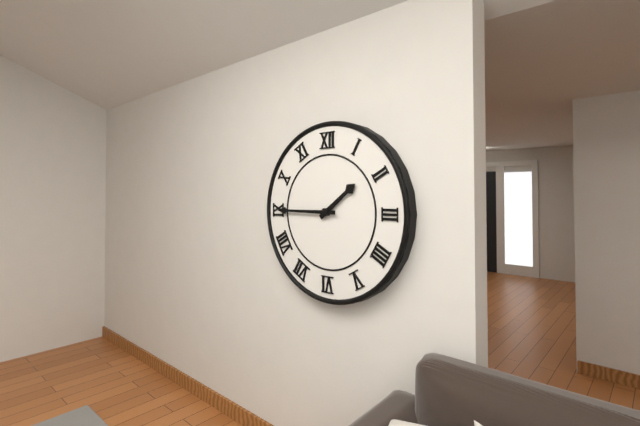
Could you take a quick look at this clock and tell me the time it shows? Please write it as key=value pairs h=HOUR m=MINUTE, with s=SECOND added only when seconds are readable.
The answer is h=1 m=45
